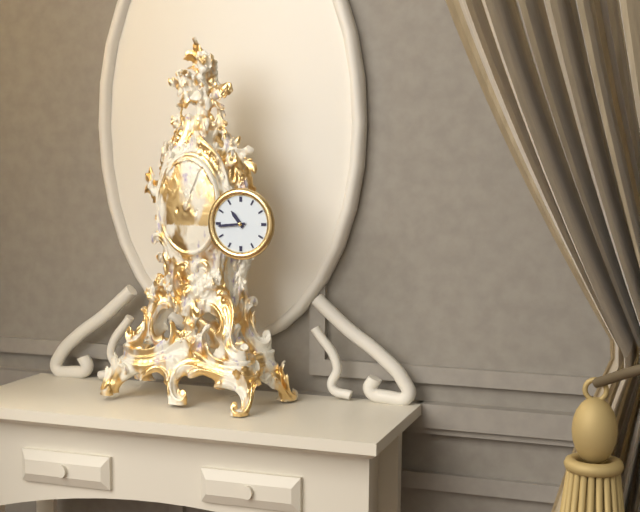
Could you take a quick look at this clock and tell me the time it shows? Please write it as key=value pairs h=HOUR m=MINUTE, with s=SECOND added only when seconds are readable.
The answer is h=10 m=44
